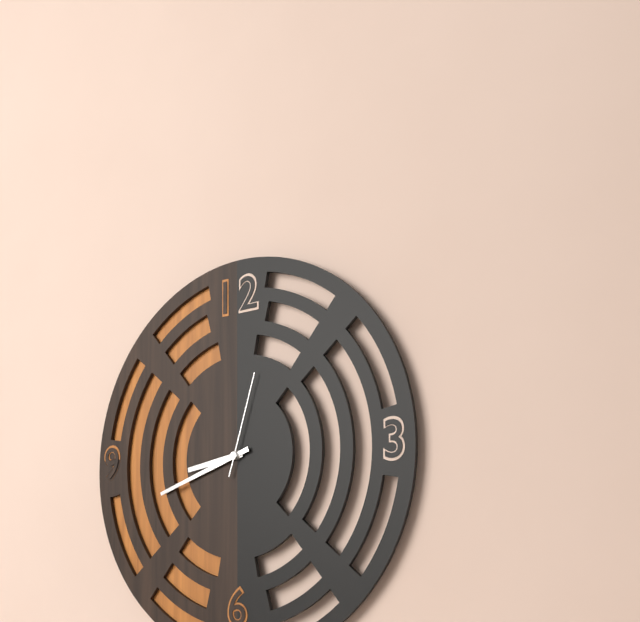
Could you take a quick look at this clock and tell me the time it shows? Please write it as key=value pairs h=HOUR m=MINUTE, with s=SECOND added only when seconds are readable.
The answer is h=8 m=42 s=3
